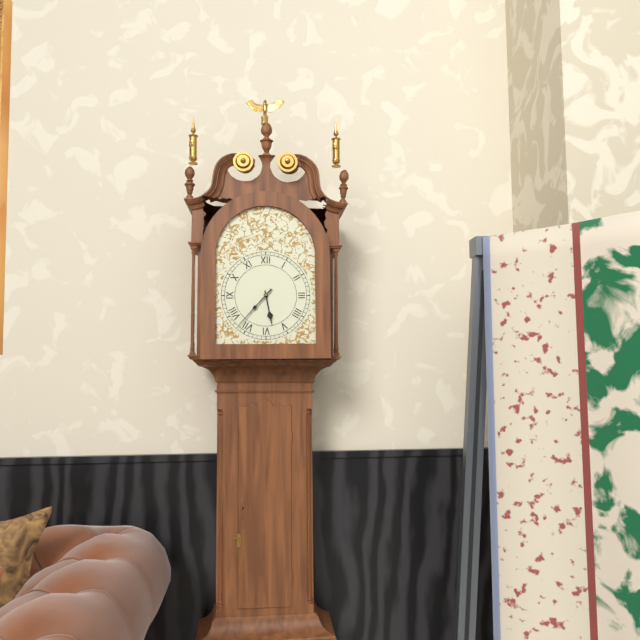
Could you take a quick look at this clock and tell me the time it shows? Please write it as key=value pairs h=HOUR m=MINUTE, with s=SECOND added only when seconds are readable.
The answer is h=5 m=37
